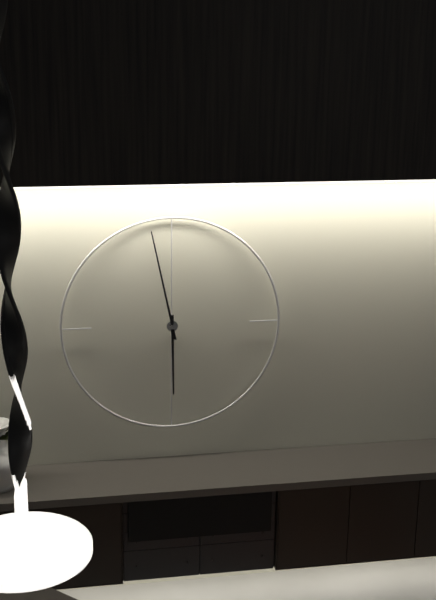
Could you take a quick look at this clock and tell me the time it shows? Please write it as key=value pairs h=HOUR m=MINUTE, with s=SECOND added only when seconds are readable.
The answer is h=5 m=58
